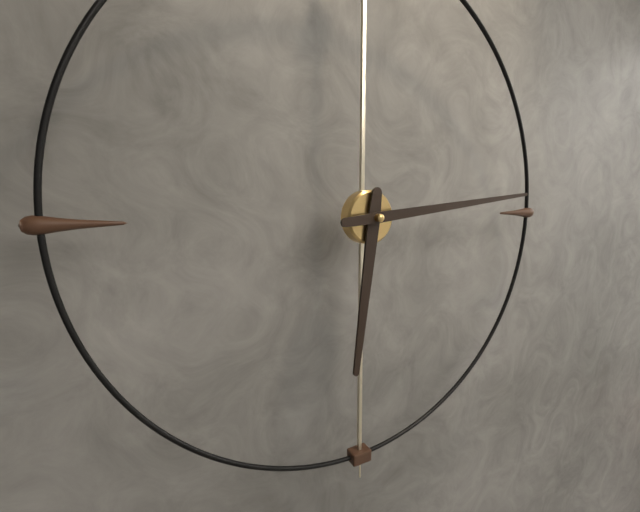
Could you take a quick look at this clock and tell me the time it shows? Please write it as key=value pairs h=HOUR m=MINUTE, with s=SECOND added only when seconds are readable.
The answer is h=6 m=14
